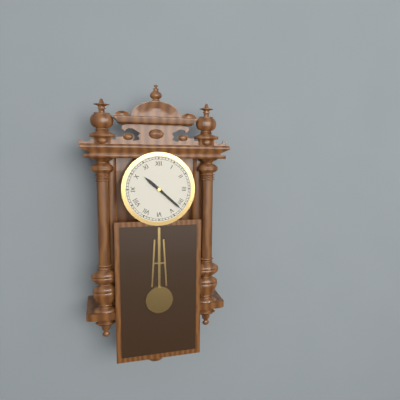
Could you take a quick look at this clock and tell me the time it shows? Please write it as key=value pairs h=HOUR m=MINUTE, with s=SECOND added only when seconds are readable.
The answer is h=10 m=22
